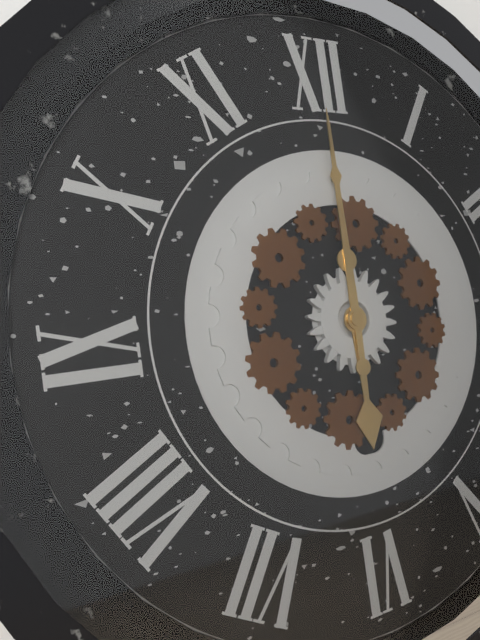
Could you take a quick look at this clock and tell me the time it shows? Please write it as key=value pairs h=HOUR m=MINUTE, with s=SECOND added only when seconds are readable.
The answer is h=6 m=0
